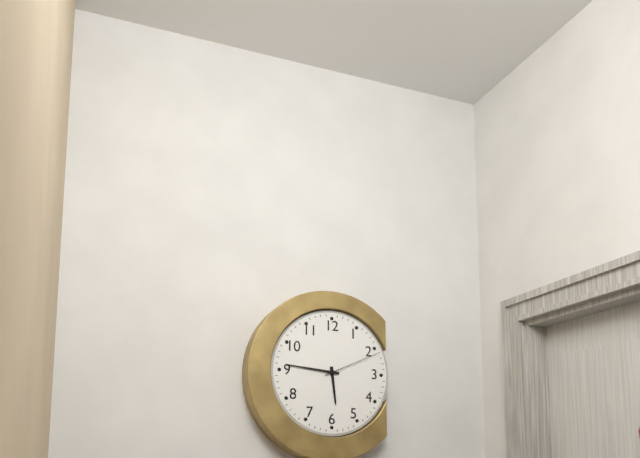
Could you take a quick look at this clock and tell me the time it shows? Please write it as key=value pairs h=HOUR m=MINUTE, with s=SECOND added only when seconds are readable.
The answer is h=5 m=46 s=11
